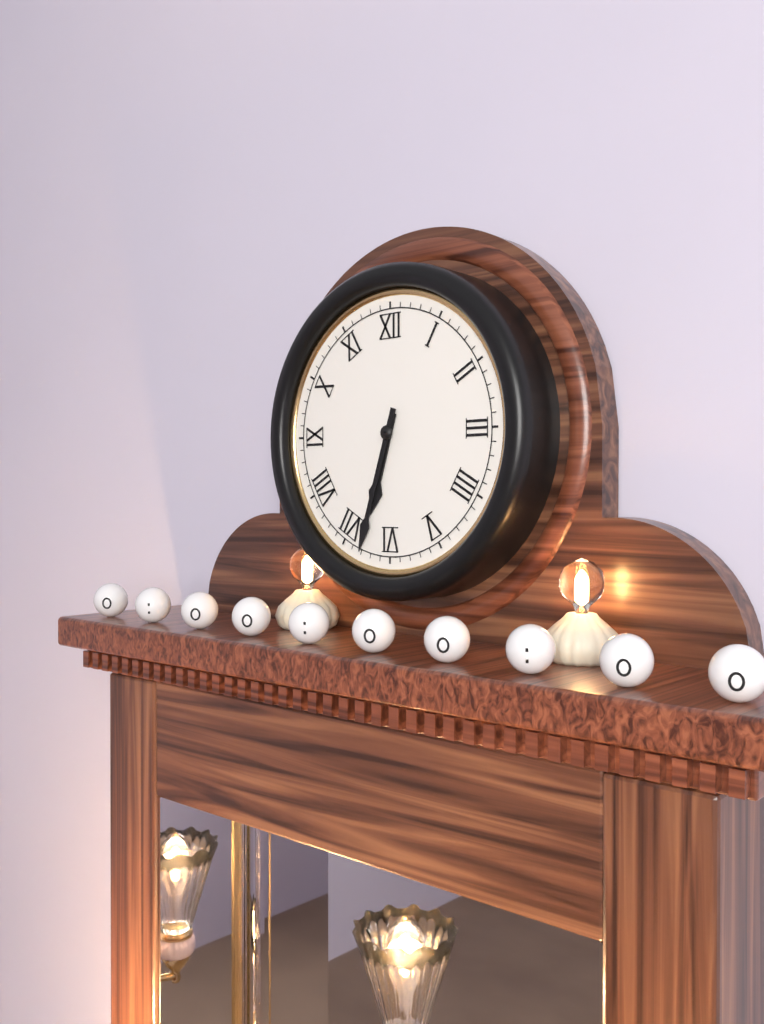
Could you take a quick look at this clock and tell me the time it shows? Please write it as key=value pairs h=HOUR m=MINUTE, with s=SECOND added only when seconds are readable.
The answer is h=6 m=33
